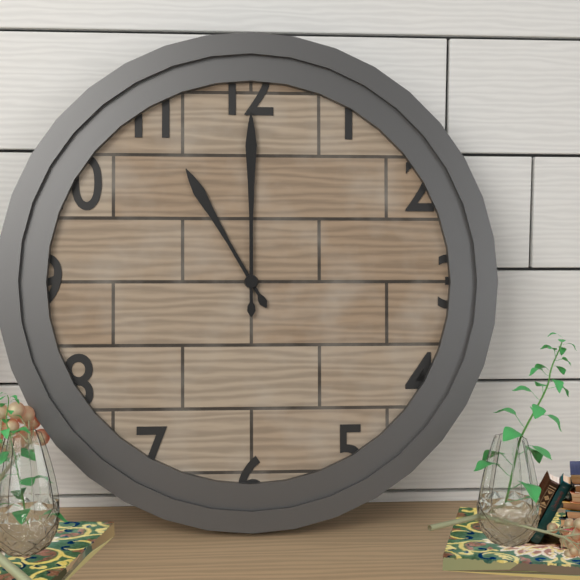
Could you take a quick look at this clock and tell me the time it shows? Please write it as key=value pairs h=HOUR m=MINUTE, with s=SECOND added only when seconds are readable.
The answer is h=11 m=0
